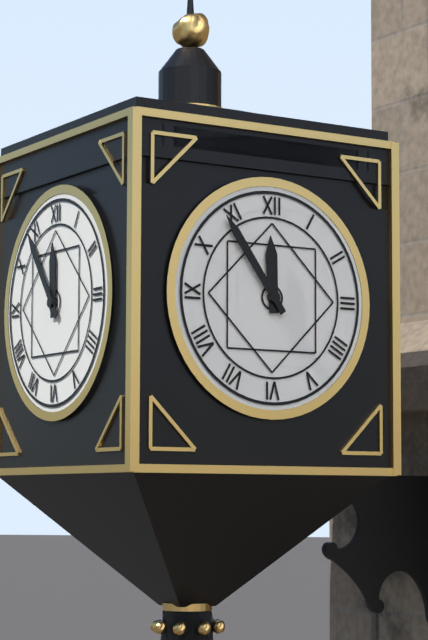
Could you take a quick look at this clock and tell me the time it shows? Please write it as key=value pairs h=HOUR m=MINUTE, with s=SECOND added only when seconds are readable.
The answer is h=11 m=54
